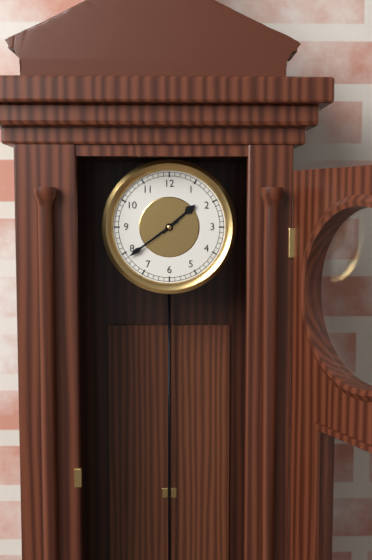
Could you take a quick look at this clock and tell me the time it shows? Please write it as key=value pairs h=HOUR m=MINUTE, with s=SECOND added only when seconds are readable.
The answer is h=1 m=39
